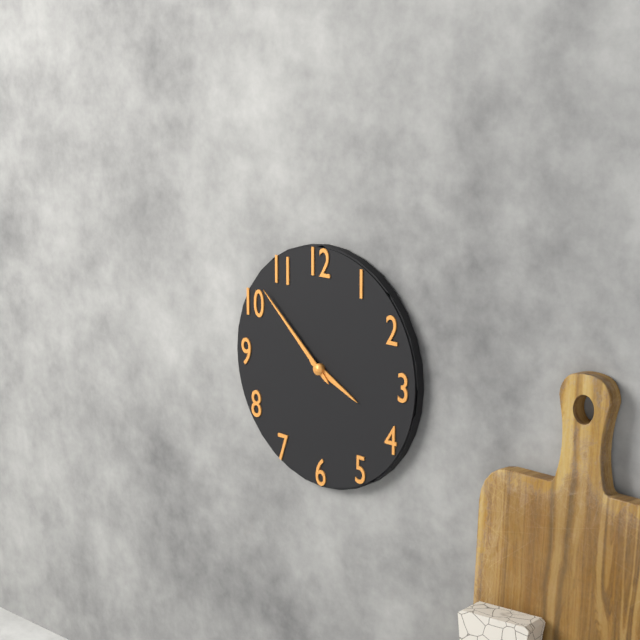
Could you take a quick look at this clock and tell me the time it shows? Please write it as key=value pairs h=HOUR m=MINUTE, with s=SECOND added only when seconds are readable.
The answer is h=3 m=52
